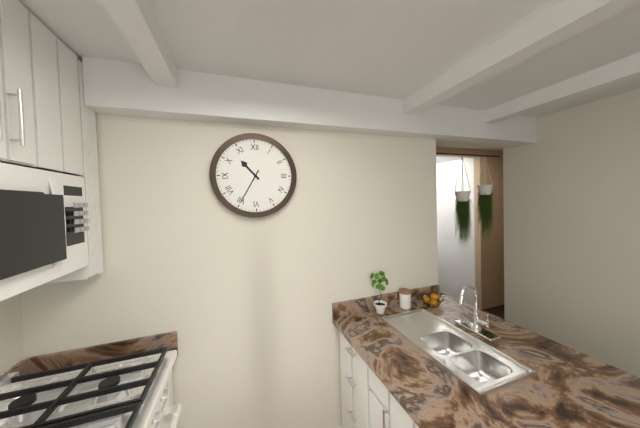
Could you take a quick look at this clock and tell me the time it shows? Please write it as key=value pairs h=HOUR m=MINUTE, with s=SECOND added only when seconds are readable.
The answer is h=10 m=35
